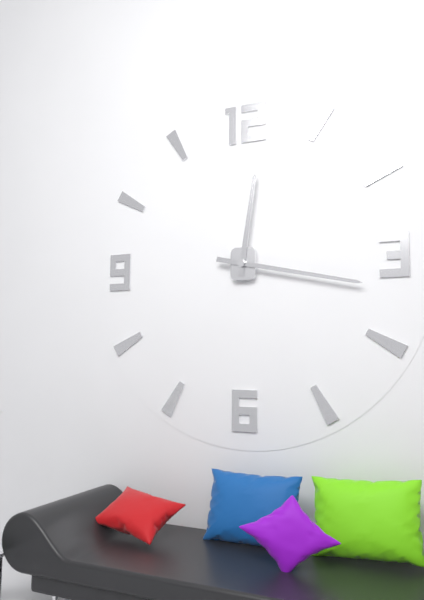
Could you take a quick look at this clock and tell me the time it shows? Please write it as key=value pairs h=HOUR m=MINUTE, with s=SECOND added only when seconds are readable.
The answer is h=12 m=17
